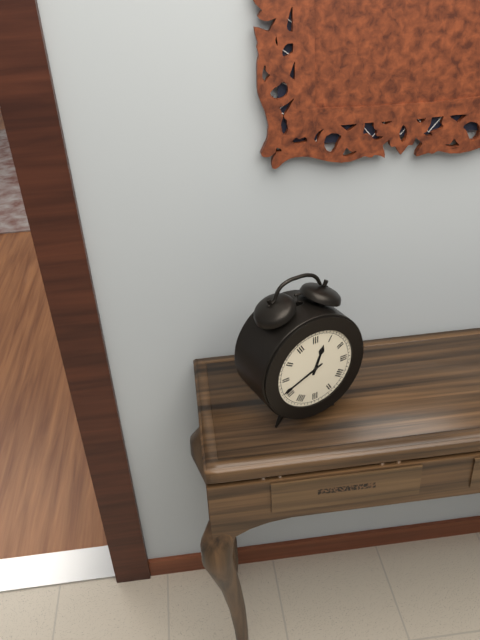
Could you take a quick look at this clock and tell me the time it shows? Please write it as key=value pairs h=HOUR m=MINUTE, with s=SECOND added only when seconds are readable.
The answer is h=12 m=41
